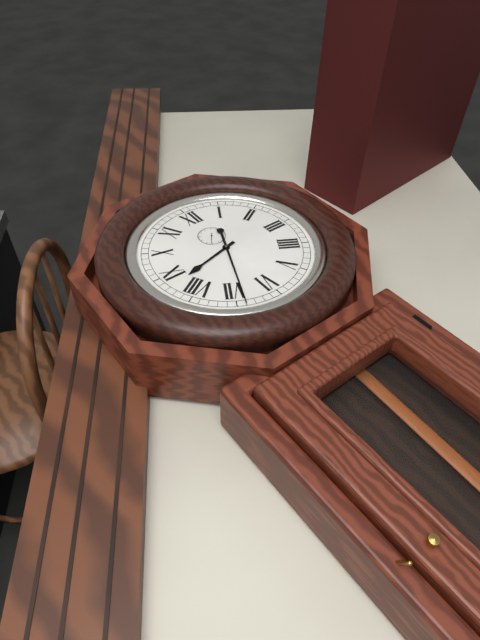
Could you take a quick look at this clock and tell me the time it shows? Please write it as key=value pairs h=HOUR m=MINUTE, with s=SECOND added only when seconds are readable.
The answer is h=8 m=34
